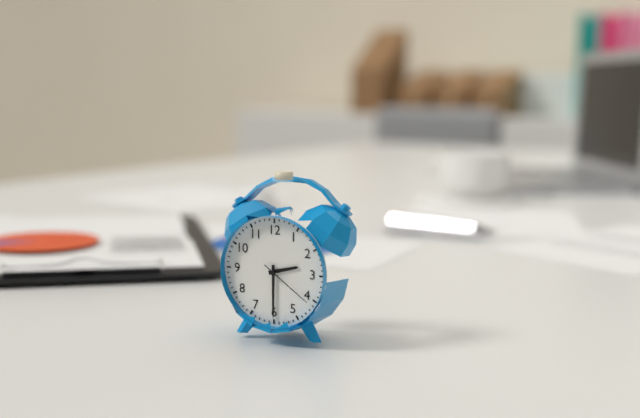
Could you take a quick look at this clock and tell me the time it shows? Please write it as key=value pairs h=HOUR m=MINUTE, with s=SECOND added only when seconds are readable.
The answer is h=2 m=30 s=21
